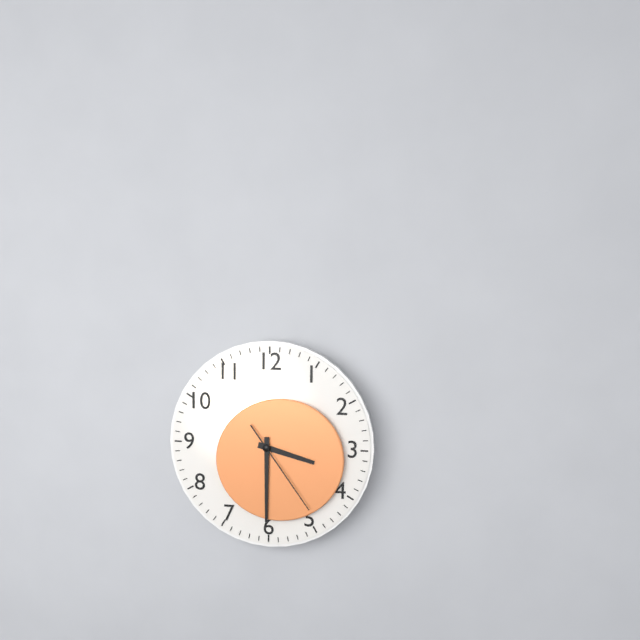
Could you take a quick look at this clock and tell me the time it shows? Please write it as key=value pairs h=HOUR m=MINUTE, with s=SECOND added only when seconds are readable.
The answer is h=3 m=30 s=24
